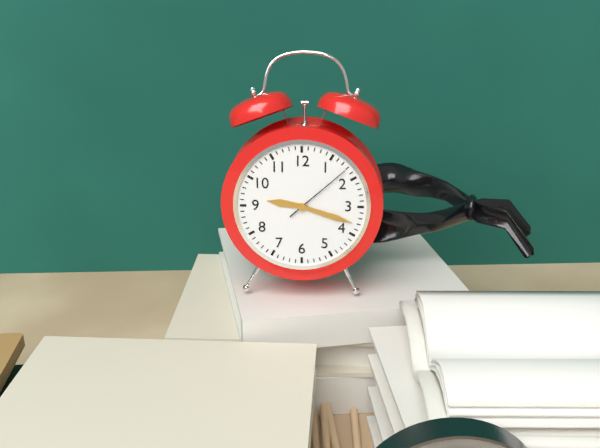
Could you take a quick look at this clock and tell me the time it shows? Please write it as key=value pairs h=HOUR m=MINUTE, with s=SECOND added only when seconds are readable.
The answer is h=9 m=18 s=8
